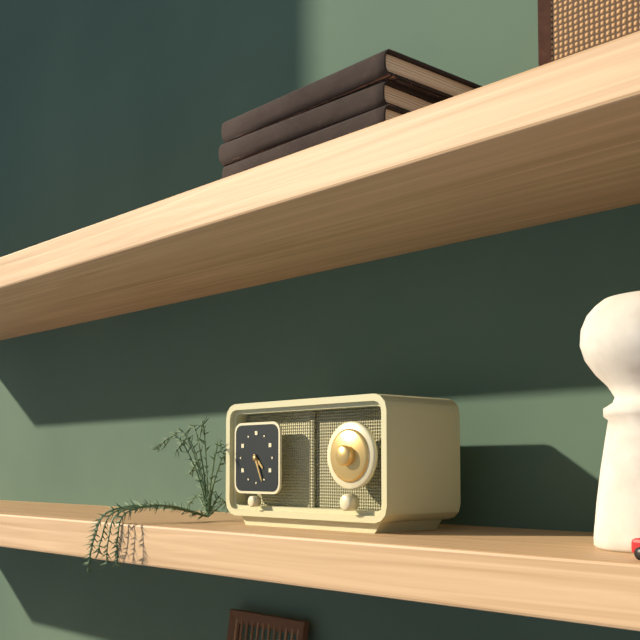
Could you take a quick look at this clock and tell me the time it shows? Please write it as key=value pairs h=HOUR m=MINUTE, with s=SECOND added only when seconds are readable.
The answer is h=4 m=26
